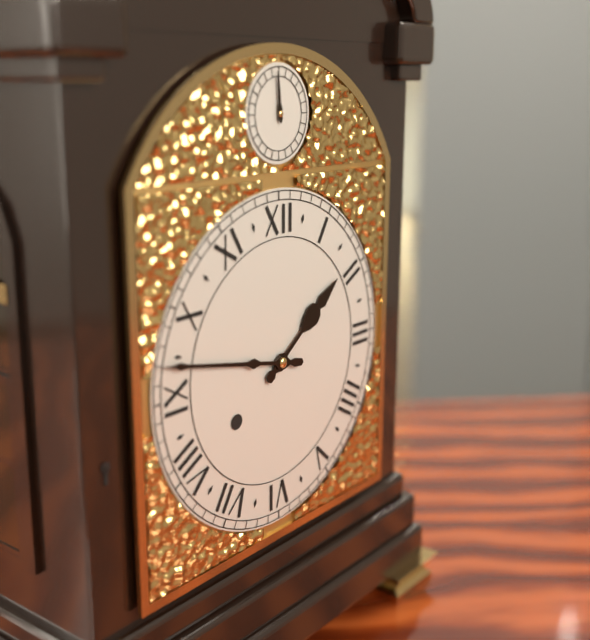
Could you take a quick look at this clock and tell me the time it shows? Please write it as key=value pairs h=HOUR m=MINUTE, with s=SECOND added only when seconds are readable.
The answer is h=1 m=47
